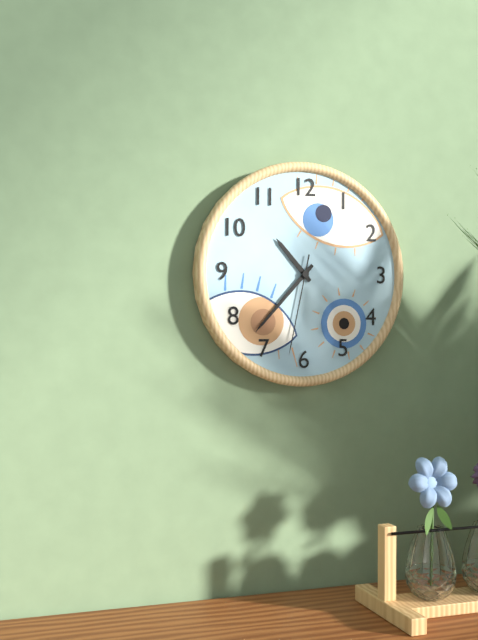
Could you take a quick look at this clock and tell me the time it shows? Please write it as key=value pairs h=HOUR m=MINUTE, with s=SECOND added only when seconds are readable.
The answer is h=10 m=37 s=32
